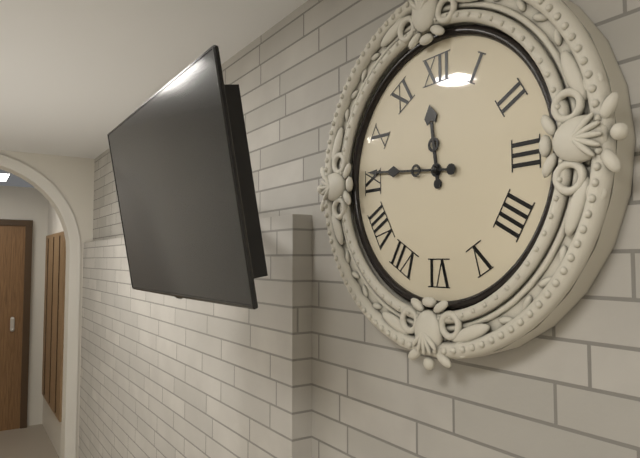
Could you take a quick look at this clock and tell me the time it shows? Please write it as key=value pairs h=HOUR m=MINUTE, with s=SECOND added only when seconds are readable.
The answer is h=11 m=46
